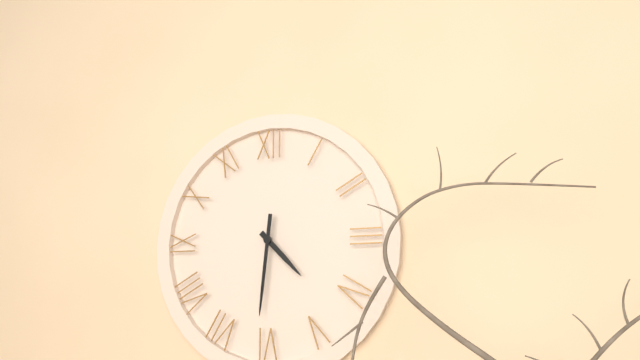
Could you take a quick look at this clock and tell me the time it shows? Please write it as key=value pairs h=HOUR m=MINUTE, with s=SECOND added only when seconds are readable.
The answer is h=4 m=31
